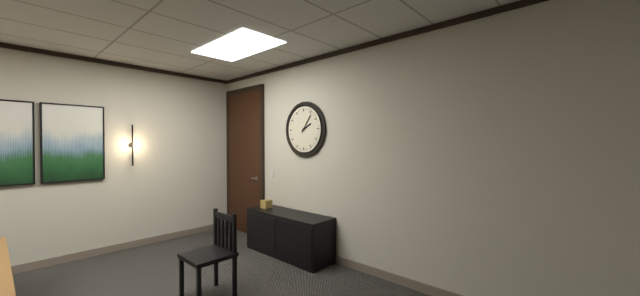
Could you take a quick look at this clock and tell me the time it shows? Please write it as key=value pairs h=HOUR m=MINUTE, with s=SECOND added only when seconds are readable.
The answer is h=2 m=6
